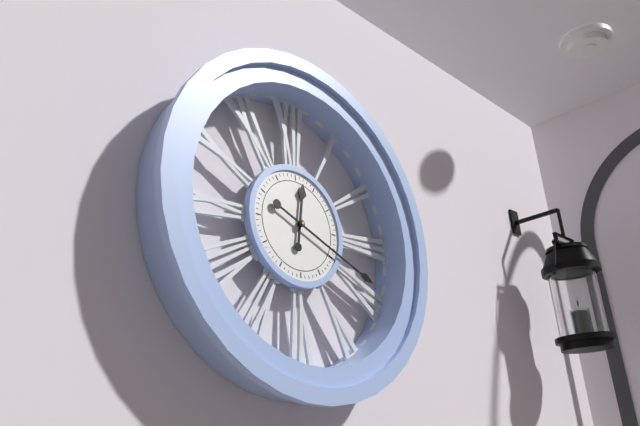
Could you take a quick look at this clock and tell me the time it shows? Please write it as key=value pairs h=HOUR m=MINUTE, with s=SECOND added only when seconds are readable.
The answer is h=12 m=19
